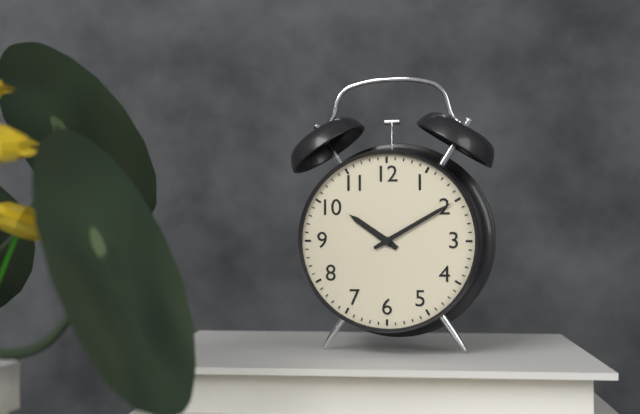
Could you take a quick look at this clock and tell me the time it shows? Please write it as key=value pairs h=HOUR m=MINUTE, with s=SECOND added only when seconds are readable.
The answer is h=10 m=10
